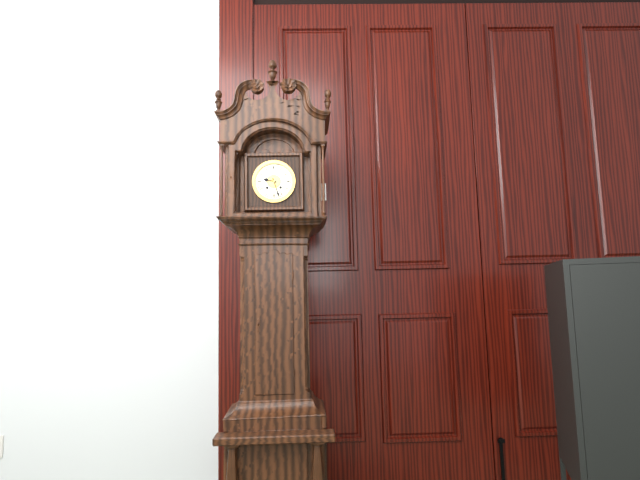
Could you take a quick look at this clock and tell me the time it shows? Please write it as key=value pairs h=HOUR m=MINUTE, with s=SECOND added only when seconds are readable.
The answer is h=9 m=27
